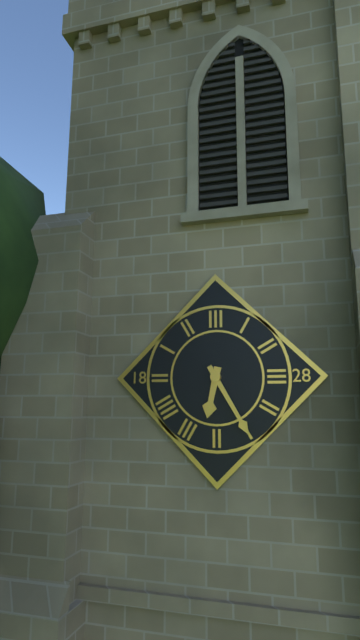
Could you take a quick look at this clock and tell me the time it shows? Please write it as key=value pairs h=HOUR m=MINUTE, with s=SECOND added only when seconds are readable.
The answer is h=6 m=25
